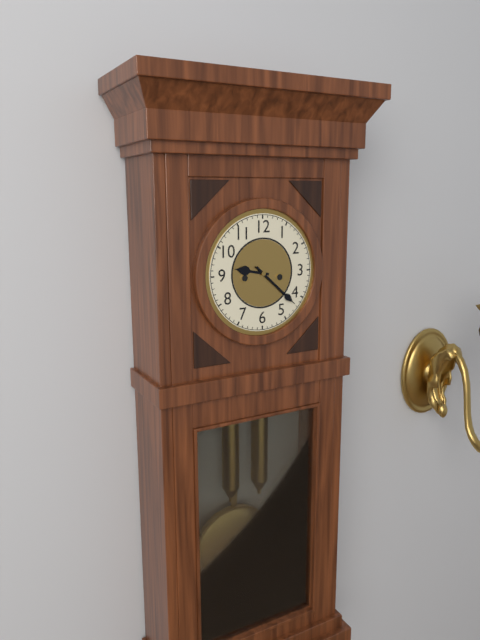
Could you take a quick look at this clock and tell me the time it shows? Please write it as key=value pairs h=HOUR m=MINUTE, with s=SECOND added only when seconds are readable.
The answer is h=9 m=22
